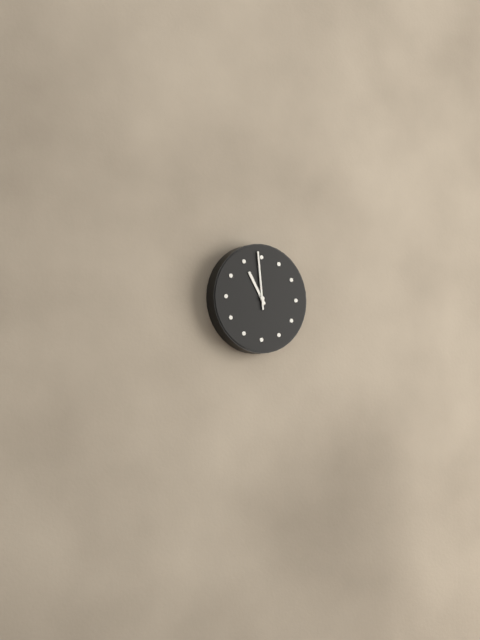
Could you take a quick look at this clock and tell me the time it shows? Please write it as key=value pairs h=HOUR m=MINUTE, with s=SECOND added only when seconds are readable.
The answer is h=10 m=59
